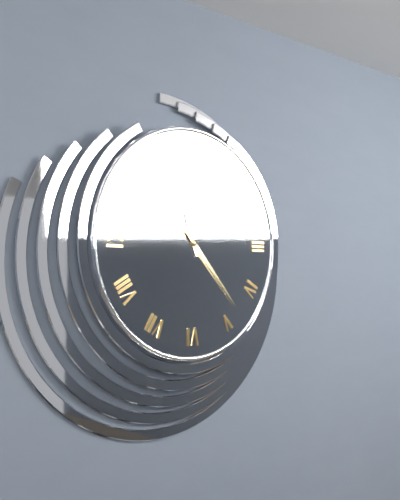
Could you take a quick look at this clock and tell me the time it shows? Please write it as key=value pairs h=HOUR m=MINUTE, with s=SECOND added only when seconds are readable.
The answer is h=11 m=23
